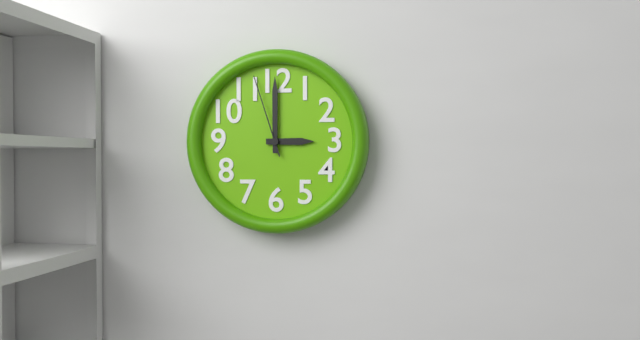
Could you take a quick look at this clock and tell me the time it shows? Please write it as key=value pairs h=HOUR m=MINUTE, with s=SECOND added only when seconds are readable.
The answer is h=3 m=0 s=57
